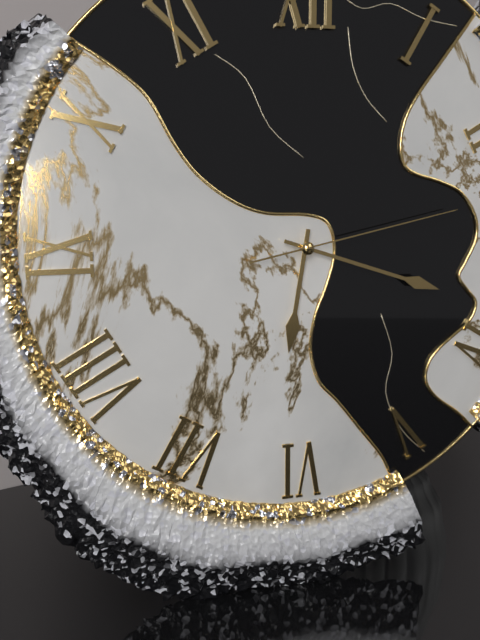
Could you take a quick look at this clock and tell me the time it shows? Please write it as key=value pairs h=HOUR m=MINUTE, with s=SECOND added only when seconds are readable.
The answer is h=6 m=18 s=13
